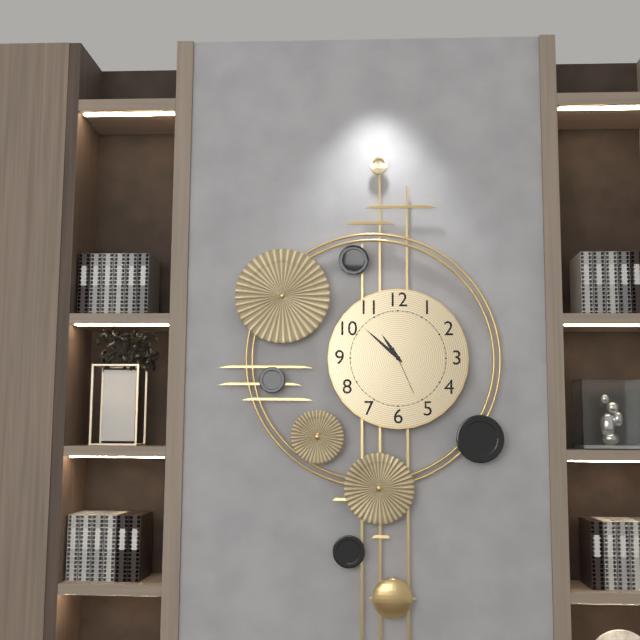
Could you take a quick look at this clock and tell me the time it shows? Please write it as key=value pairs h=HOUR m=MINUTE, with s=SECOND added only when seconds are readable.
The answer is h=10 m=52
